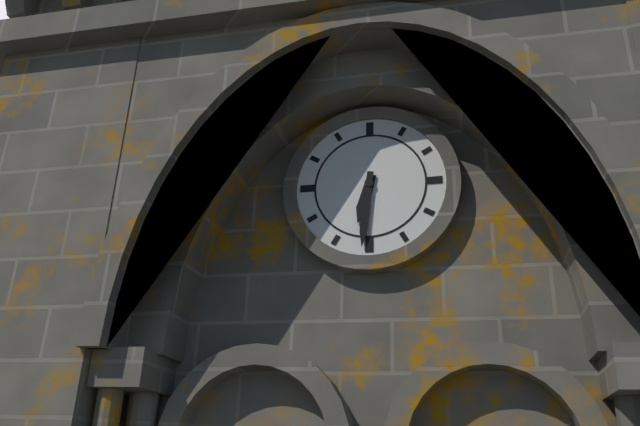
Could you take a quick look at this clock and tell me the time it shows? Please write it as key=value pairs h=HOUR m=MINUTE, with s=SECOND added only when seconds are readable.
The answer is h=6 m=31
